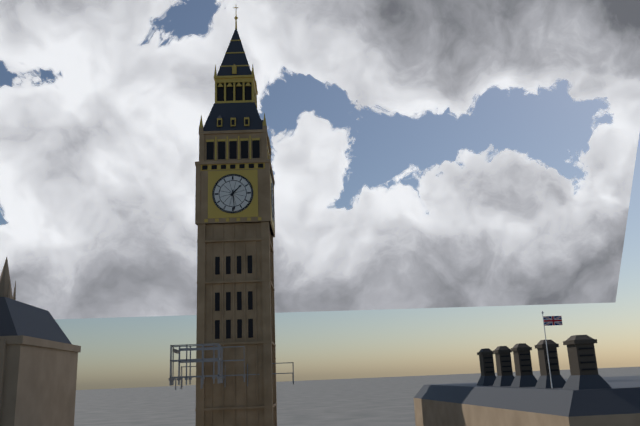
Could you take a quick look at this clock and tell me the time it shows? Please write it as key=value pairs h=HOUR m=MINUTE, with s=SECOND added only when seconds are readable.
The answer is h=1 m=29
